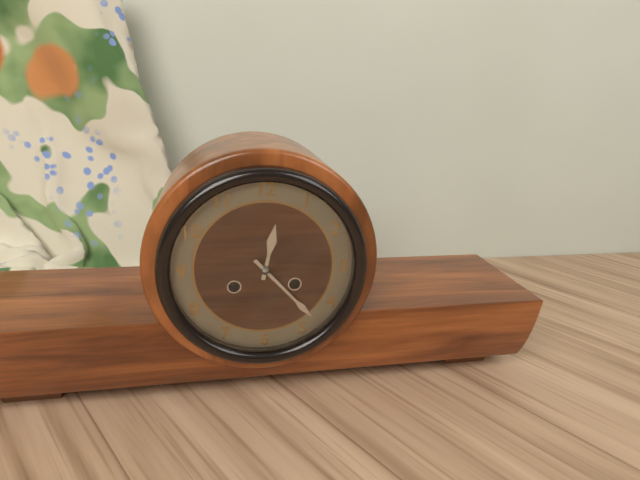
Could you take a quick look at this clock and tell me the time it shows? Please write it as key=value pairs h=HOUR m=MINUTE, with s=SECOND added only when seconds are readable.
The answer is h=12 m=23
